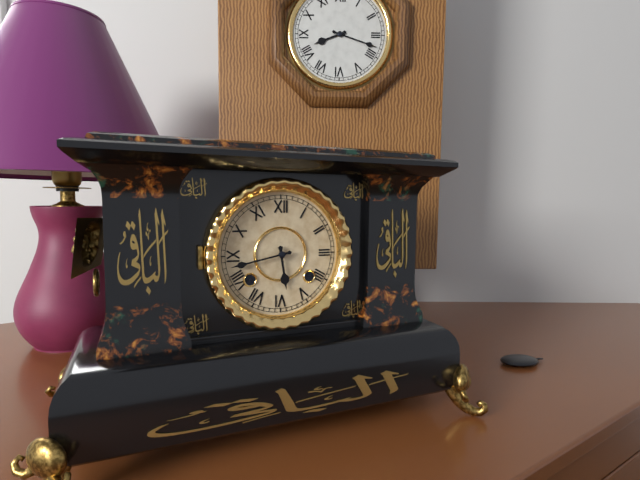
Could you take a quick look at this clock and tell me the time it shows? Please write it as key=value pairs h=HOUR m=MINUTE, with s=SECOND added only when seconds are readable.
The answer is h=5 m=43
